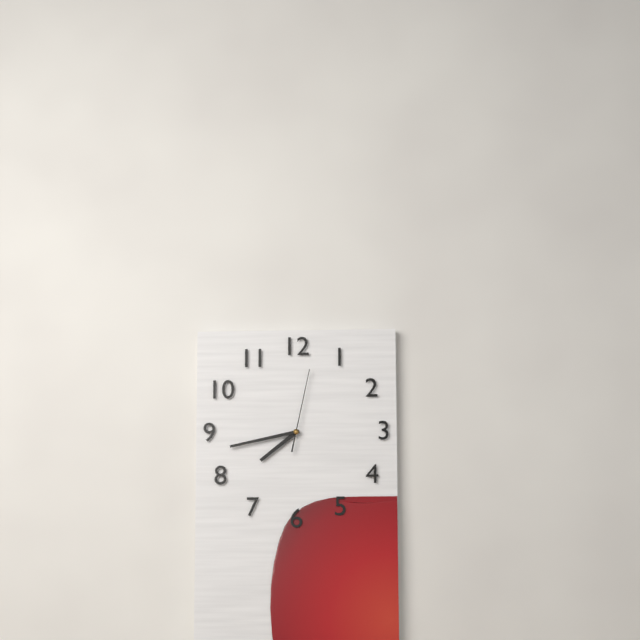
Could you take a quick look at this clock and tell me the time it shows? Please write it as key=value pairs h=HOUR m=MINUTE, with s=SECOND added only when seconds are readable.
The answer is h=7 m=43 s=2
